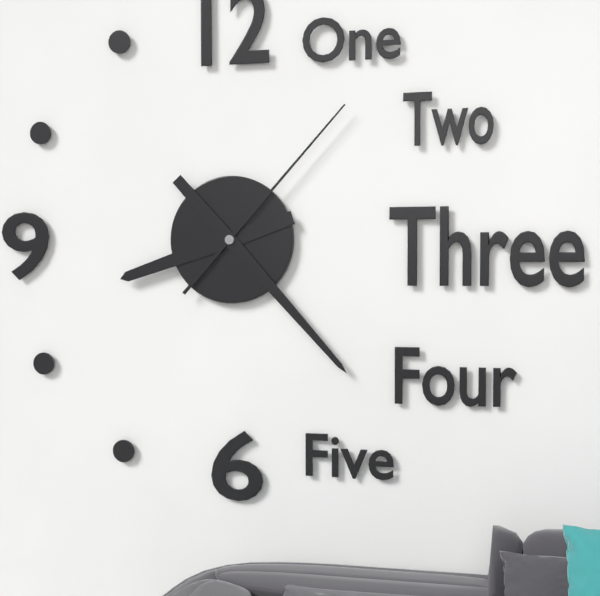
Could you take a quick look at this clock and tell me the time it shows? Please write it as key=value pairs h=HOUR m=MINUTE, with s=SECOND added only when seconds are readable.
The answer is h=8 m=23 s=7
